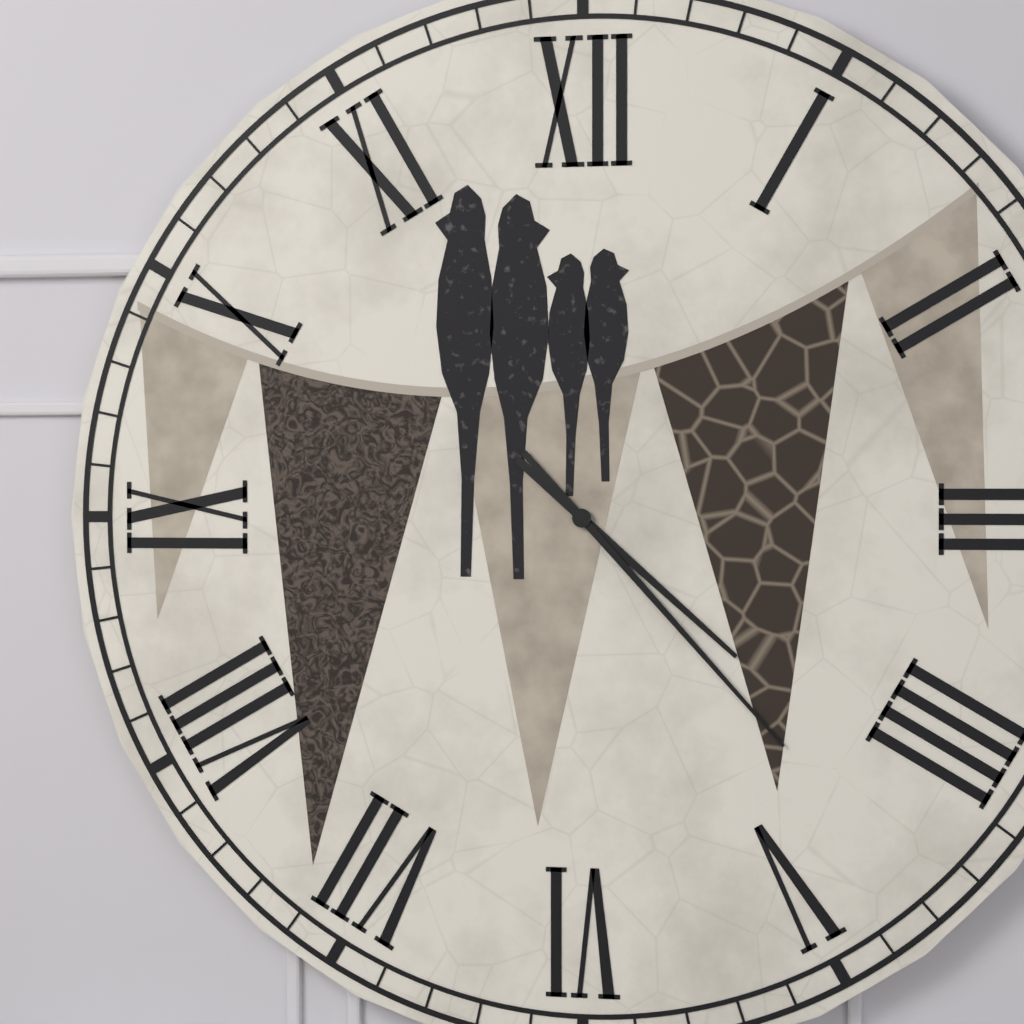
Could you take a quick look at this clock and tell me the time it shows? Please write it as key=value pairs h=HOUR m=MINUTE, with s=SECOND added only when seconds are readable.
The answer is h=4 m=23
